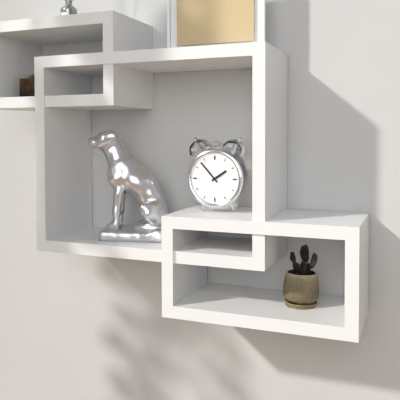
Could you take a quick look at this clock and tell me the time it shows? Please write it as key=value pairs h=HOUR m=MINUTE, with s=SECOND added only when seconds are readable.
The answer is h=1 m=53
